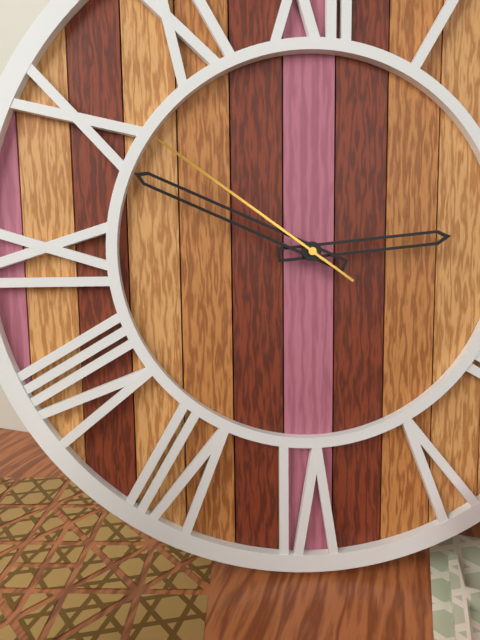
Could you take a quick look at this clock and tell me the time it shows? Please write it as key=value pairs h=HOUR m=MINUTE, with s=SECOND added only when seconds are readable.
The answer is h=2 m=49 s=51
